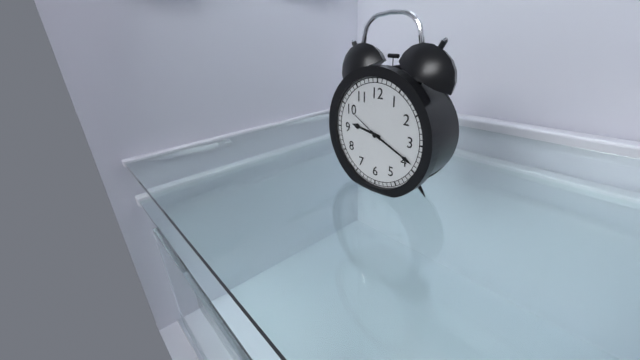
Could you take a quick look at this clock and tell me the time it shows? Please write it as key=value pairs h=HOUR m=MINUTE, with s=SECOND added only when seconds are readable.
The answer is h=9 m=19
